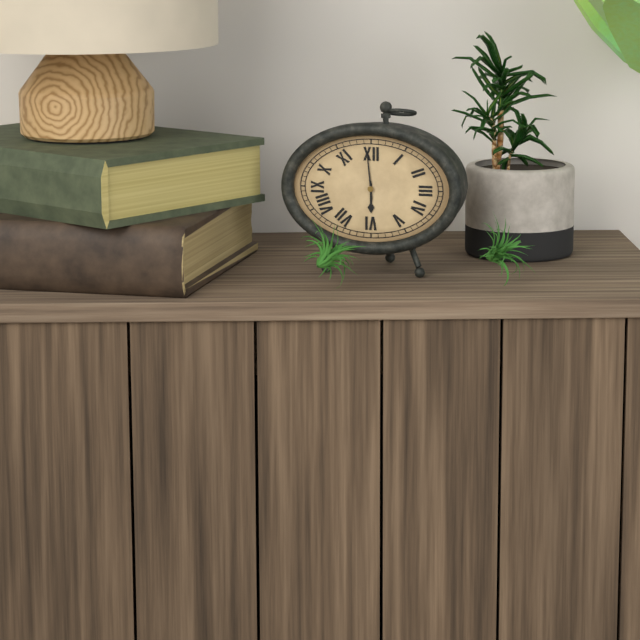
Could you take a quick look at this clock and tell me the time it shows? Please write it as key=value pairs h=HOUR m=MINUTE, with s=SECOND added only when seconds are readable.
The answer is h=5 m=59
